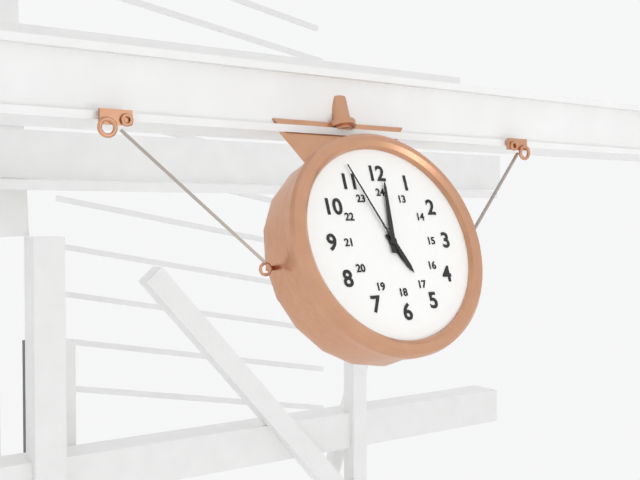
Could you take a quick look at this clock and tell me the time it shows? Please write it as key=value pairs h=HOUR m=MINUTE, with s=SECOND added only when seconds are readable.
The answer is h=5 m=1 s=56
